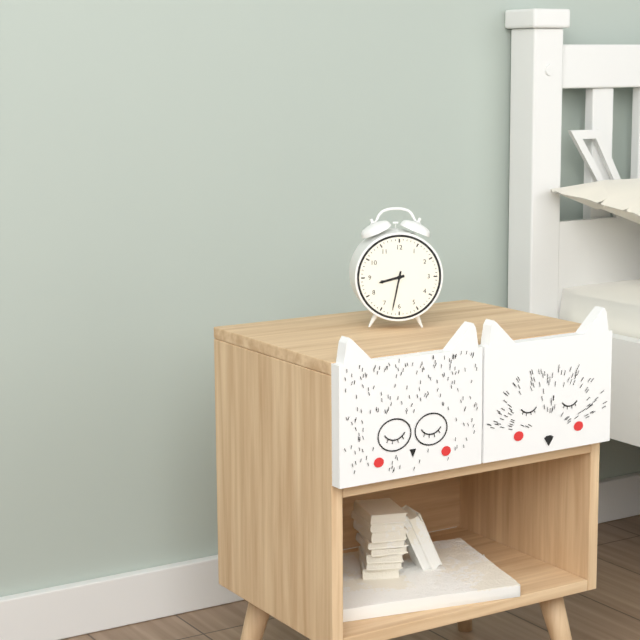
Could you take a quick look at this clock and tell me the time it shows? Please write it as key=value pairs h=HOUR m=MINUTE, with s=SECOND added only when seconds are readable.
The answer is h=8 m=32
